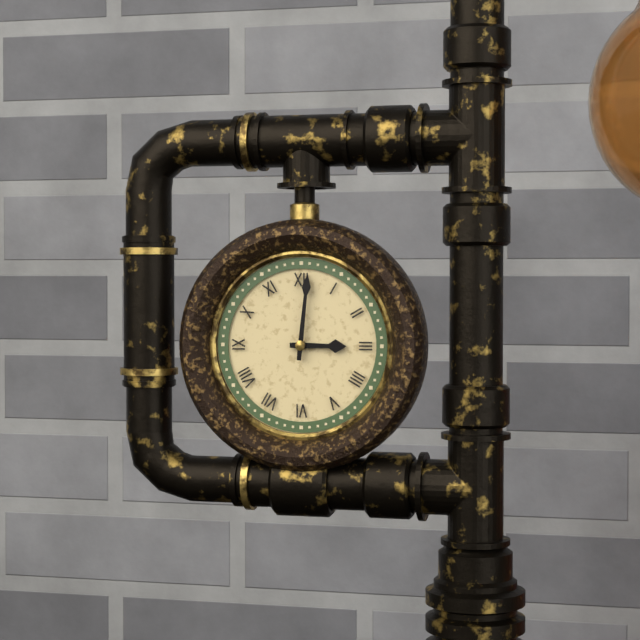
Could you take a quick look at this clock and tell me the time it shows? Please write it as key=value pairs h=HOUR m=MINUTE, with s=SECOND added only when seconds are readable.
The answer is h=3 m=1
